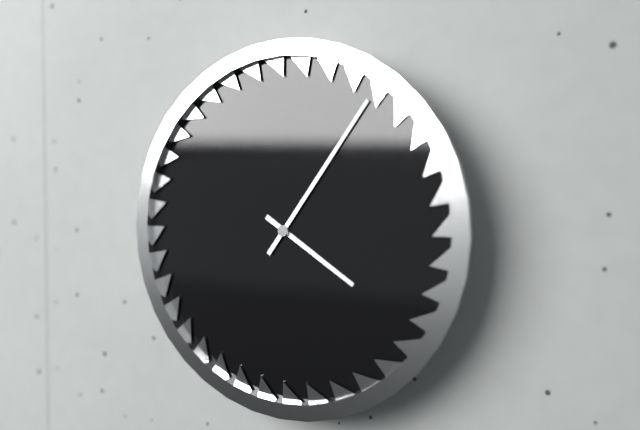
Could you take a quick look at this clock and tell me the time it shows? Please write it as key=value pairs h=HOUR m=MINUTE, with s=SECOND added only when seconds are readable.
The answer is h=4 m=6
